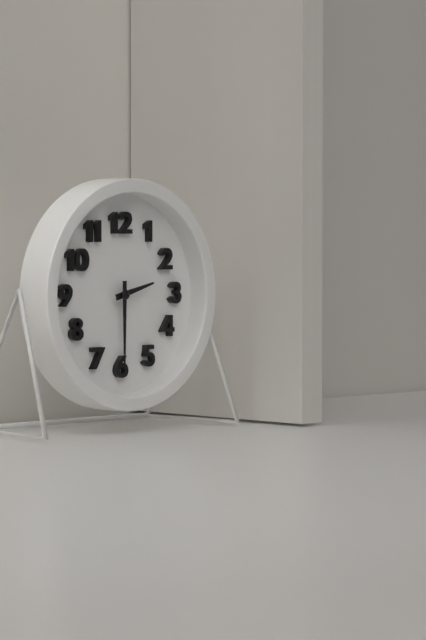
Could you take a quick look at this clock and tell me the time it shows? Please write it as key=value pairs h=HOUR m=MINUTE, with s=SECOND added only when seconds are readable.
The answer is h=2 m=30
